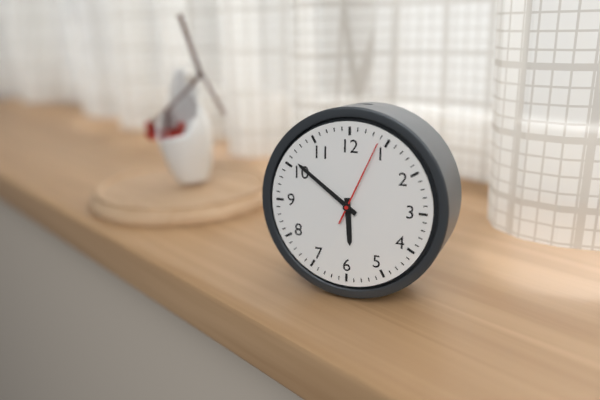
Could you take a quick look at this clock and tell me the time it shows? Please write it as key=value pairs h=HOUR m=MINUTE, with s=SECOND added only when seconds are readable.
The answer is h=5 m=51 s=4
